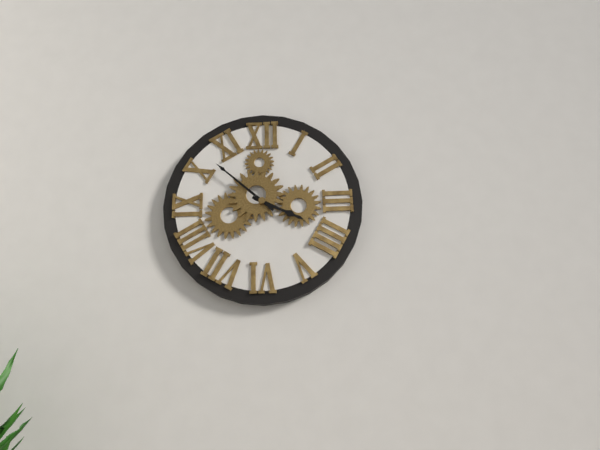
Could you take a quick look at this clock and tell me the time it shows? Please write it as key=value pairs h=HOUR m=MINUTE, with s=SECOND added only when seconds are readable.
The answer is h=3 m=52
